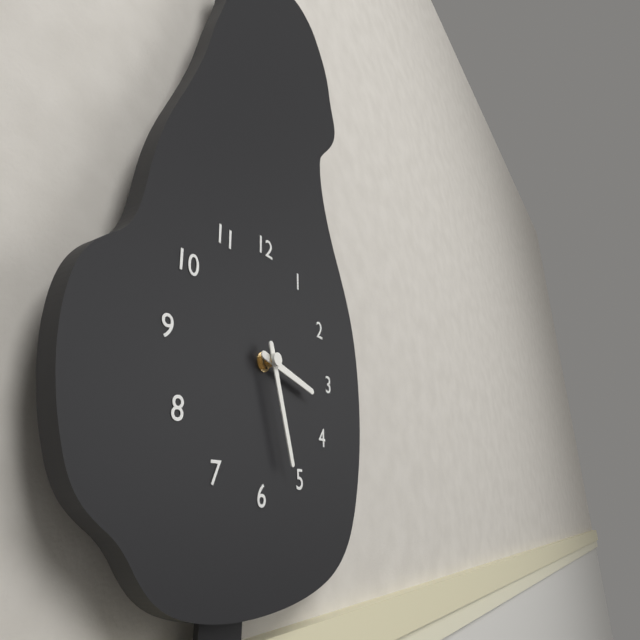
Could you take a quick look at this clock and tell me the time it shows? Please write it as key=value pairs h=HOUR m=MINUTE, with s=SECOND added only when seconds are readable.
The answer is h=3 m=27
